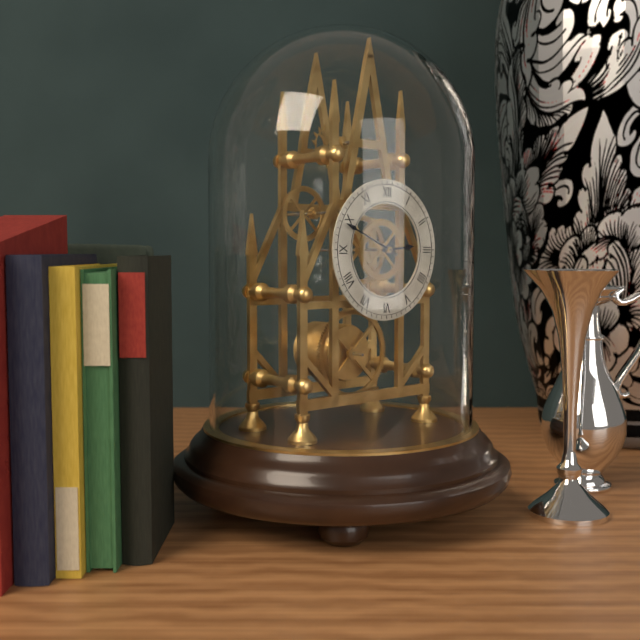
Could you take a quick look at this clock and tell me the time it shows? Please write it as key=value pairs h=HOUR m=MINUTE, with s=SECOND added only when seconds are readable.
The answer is h=2 m=49
